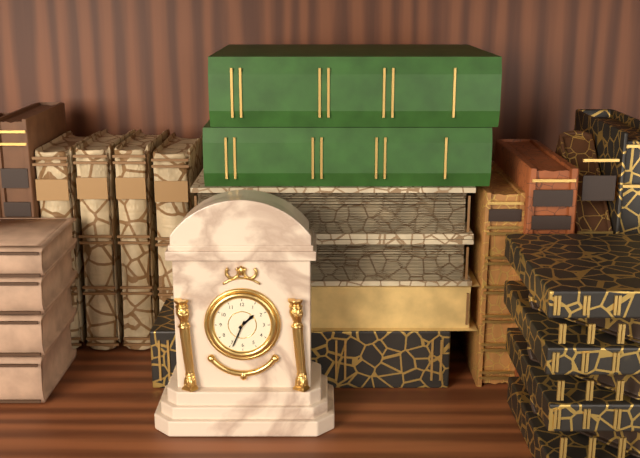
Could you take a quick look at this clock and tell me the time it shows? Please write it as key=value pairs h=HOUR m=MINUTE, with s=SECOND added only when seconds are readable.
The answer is h=1 m=34
